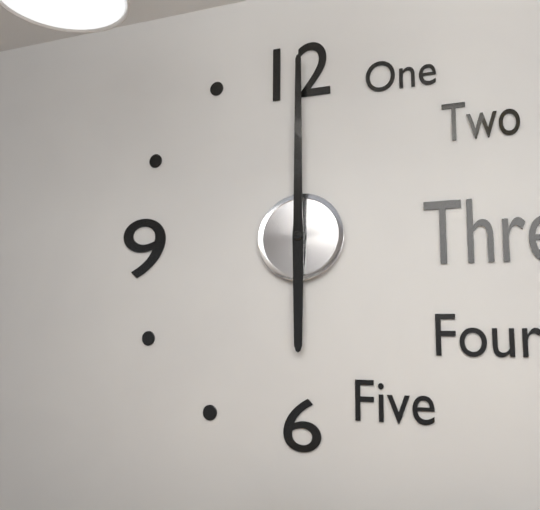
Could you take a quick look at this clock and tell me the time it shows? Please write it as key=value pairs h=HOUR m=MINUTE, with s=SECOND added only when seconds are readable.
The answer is h=6 m=0
